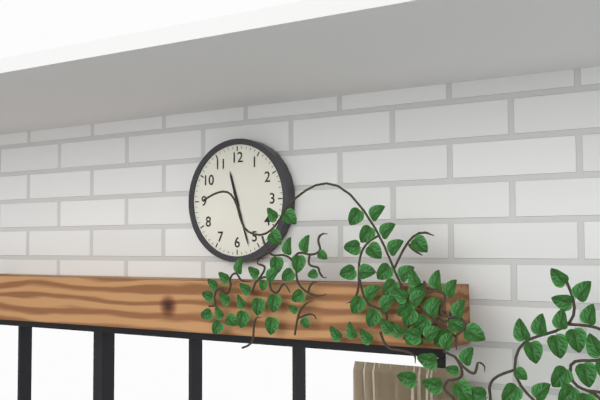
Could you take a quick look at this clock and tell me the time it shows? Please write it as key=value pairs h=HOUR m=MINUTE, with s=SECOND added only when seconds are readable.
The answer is h=11 m=27
